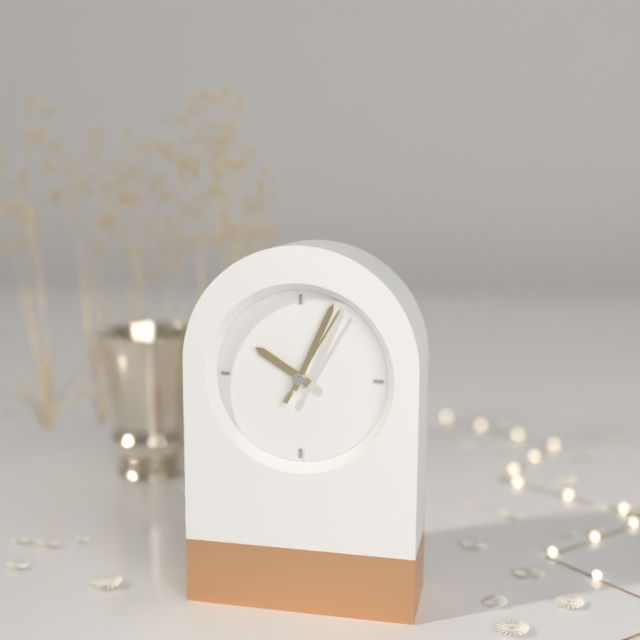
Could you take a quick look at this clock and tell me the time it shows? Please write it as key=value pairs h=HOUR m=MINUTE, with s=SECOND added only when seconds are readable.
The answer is h=10 m=4 s=5
